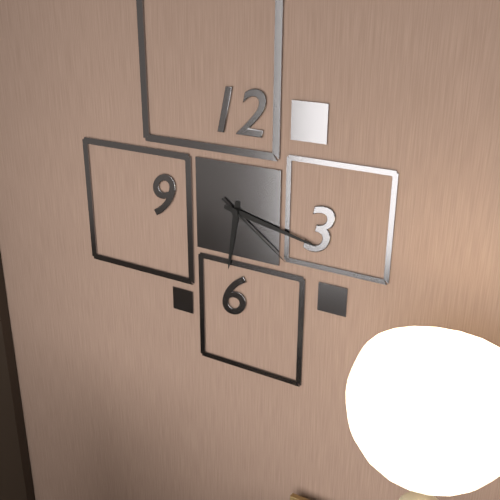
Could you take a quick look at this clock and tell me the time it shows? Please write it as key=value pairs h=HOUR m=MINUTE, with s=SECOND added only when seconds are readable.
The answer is h=6 m=17 s=21
